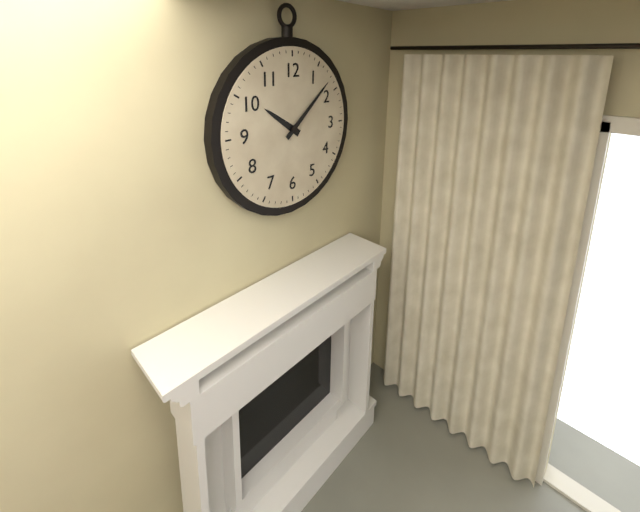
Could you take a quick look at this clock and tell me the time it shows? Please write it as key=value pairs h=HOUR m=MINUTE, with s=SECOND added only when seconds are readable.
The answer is h=10 m=8
